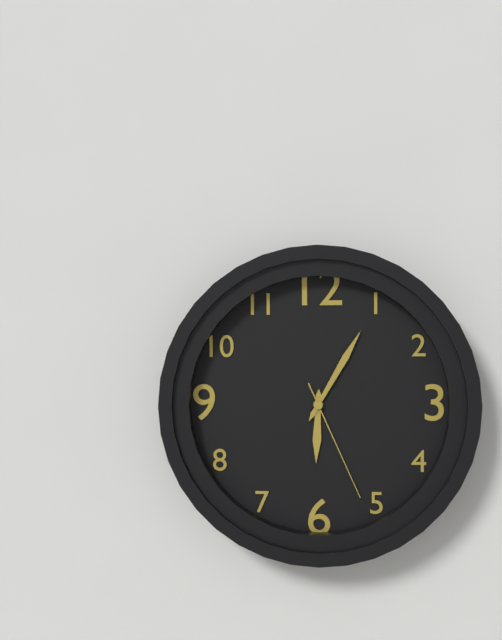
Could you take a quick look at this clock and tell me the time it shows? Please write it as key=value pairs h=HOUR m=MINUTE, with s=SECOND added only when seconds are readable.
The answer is h=6 m=5 s=26
